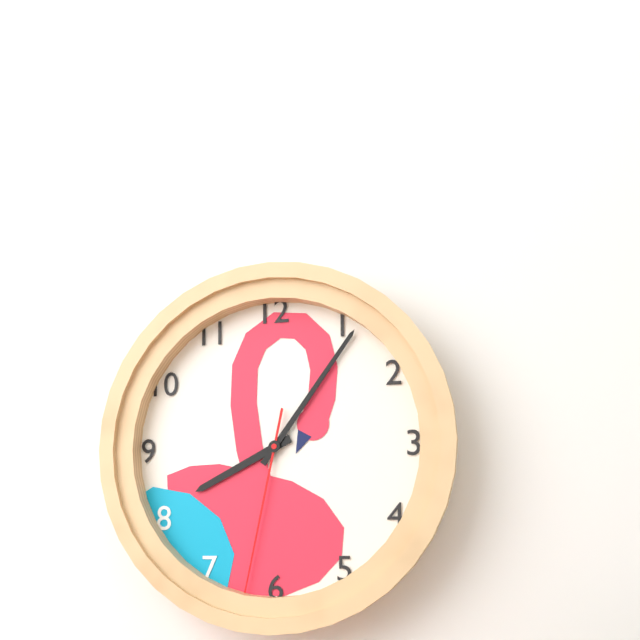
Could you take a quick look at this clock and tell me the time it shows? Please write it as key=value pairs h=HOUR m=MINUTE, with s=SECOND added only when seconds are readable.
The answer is h=8 m=6 s=32
